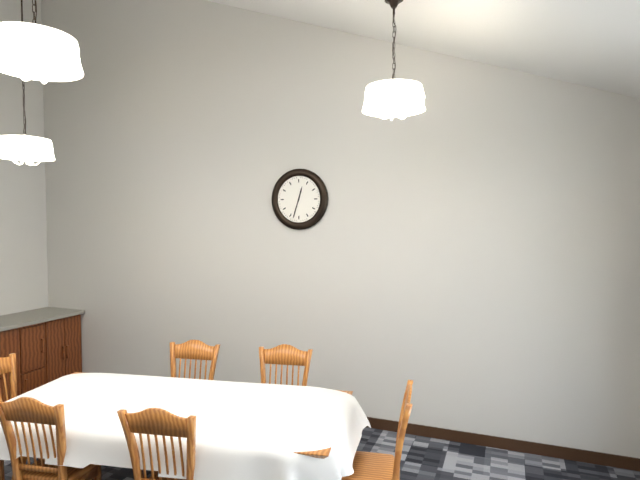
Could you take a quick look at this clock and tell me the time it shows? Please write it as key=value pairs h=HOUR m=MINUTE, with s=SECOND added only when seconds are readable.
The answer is h=12 m=33
